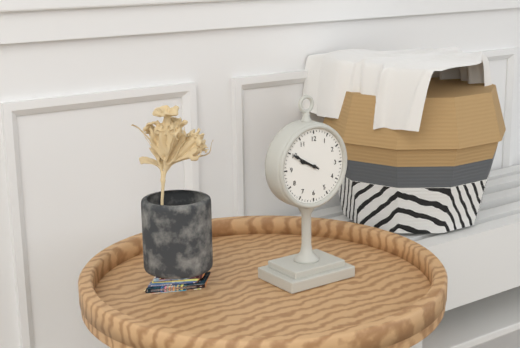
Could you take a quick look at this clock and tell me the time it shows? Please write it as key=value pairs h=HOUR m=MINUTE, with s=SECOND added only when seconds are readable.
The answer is h=9 m=50
